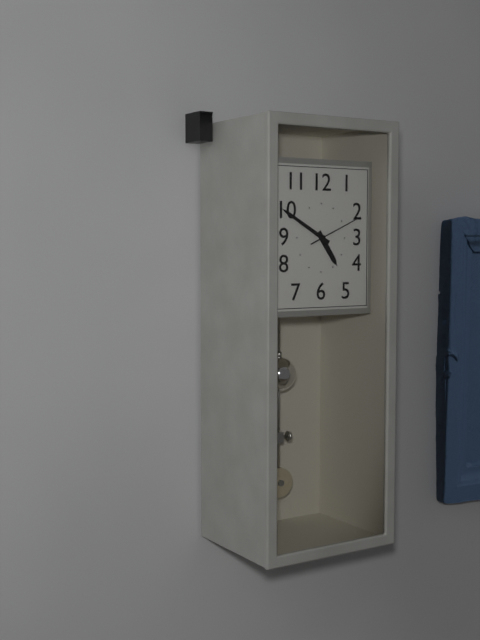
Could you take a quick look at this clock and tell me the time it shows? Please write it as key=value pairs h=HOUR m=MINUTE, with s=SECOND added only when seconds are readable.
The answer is h=4 m=50 s=11
